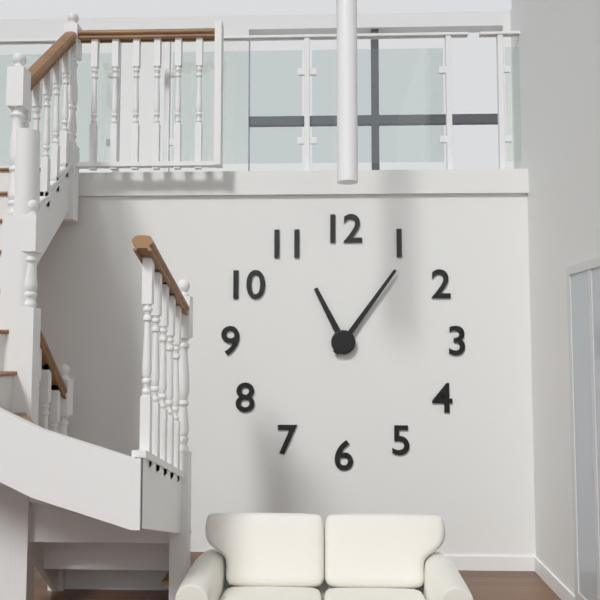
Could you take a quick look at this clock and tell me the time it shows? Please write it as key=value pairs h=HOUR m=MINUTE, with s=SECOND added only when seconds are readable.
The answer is h=11 m=6
